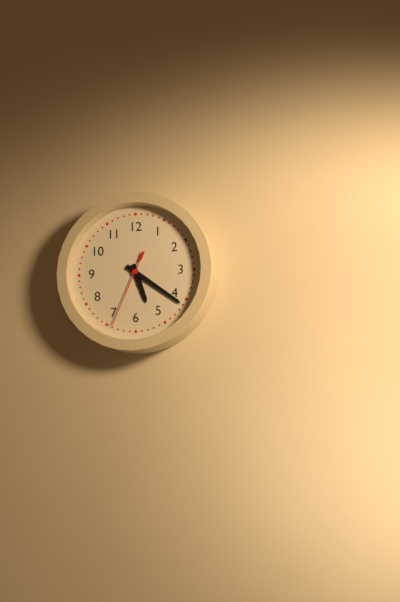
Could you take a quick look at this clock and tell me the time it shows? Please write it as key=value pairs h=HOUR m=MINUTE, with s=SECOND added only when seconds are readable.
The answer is h=5 m=21 s=34
